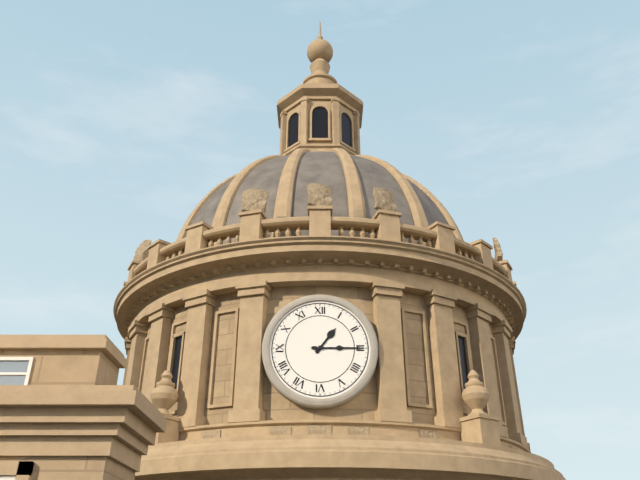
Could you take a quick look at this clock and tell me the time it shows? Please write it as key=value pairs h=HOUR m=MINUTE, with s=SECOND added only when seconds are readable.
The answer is h=1 m=15
